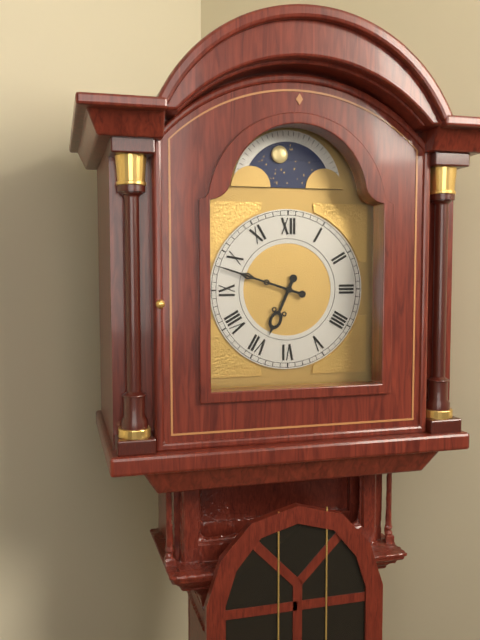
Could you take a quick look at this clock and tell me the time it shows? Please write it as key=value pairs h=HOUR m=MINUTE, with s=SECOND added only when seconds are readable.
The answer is h=6 m=48
